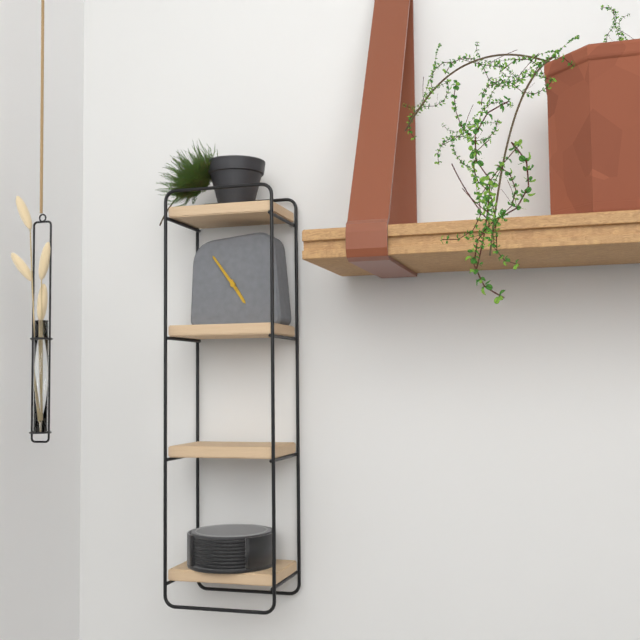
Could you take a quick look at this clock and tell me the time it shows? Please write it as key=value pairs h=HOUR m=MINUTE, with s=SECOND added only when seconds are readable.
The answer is h=4 m=54
